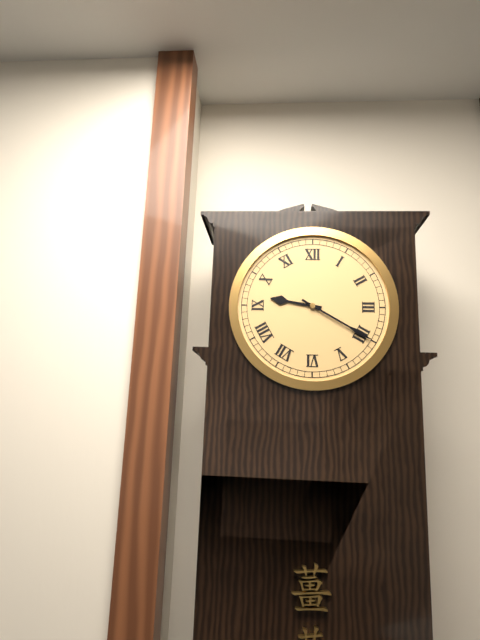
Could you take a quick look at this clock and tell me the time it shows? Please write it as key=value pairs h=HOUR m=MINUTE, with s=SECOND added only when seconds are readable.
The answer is h=9 m=20
